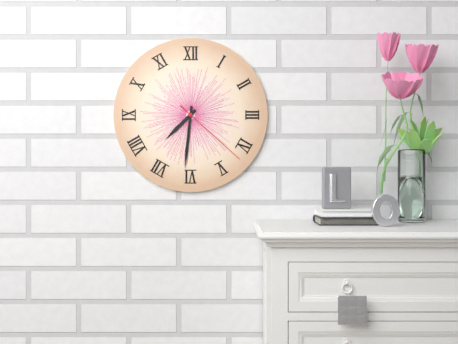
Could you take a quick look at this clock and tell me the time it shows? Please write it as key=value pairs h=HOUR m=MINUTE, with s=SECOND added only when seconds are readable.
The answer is h=7 m=31 s=22
